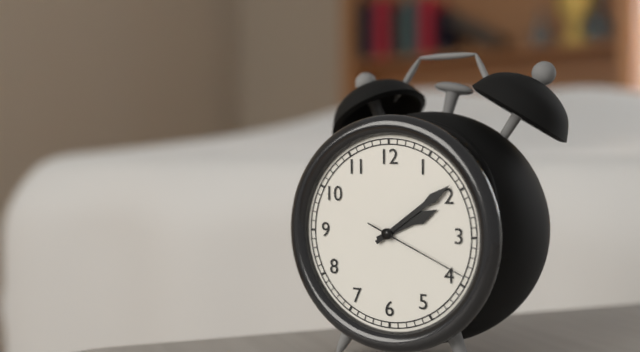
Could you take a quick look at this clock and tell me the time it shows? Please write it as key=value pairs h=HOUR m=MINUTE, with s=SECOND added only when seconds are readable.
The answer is h=2 m=9 s=19
